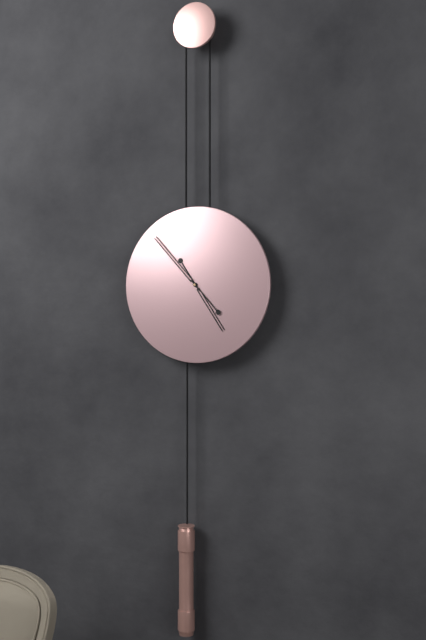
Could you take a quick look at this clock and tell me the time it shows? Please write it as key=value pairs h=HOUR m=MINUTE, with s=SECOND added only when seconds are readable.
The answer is h=4 m=53
